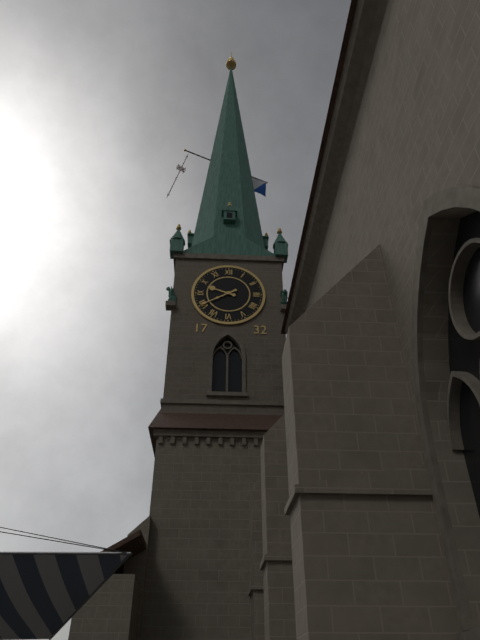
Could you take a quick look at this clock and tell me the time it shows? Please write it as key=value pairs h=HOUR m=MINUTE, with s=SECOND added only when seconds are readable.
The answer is h=9 m=40
